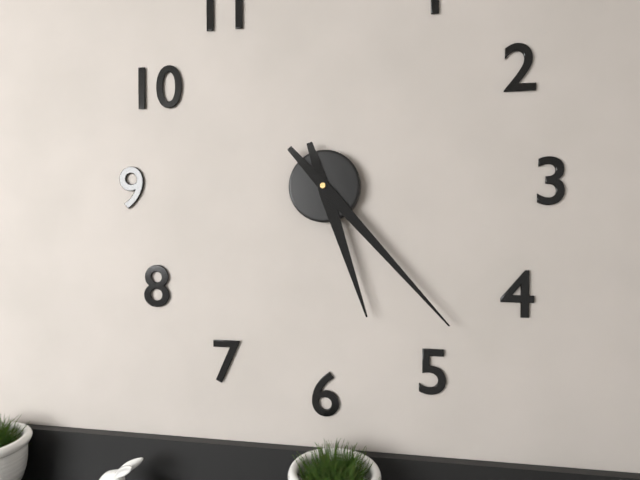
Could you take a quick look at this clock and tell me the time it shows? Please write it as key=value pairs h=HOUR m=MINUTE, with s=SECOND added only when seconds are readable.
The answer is h=5 m=23
